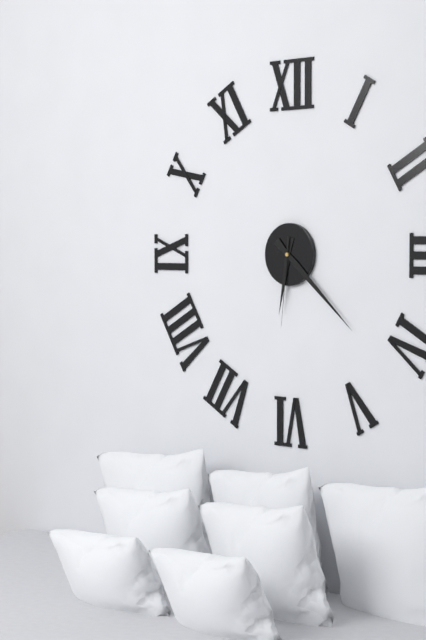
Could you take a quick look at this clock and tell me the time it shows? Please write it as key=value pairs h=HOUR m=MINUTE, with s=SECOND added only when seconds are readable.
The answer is h=6 m=22 s=31
